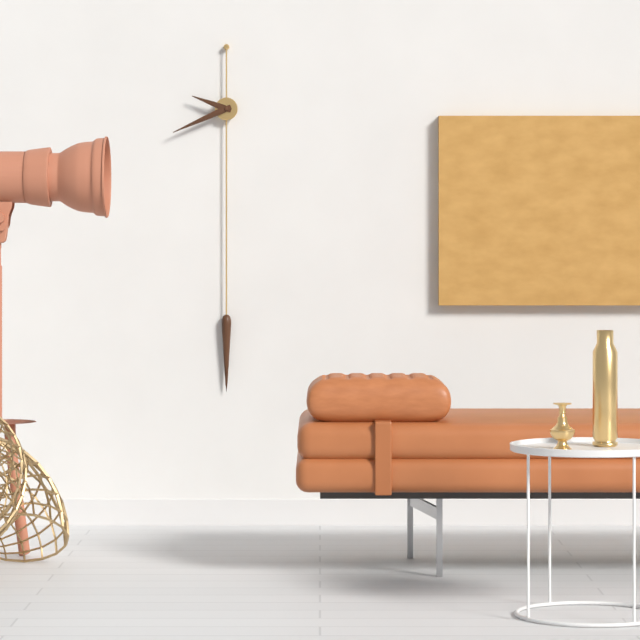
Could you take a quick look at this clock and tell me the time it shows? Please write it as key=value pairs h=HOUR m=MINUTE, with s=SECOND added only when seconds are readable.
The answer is h=9 m=41
